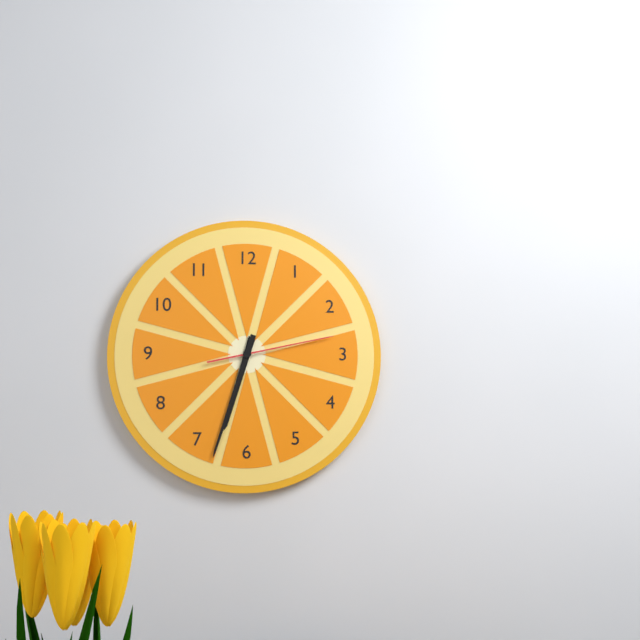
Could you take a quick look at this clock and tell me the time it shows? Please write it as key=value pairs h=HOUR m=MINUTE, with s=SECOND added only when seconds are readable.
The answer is h=6 m=33 s=13
